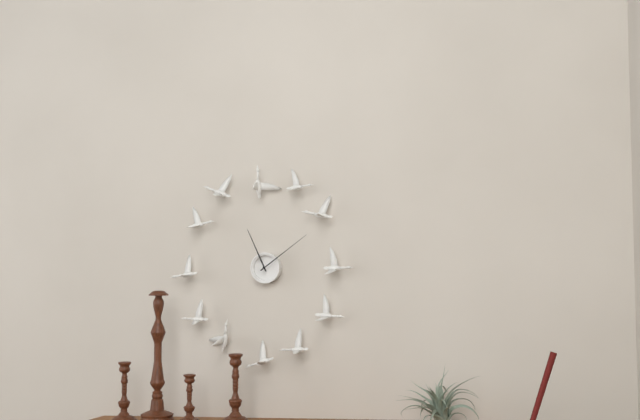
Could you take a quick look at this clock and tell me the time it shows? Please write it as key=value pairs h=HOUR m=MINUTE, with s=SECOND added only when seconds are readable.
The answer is h=11 m=9
